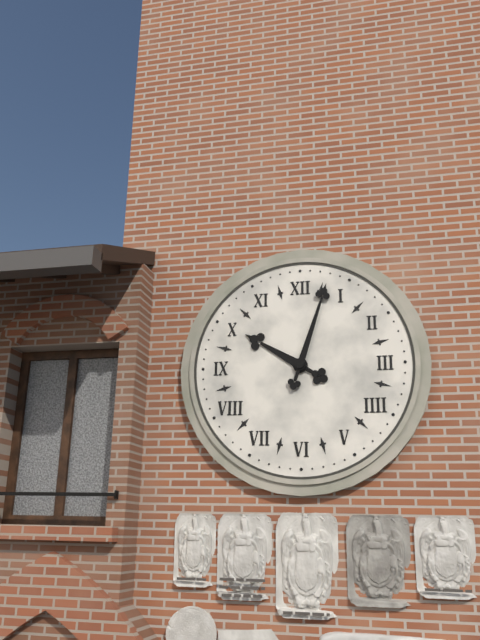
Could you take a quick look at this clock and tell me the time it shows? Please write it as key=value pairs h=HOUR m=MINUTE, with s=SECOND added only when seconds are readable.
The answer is h=10 m=3
